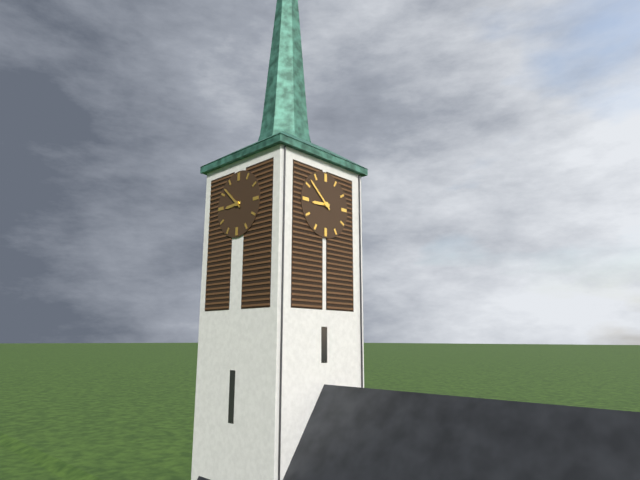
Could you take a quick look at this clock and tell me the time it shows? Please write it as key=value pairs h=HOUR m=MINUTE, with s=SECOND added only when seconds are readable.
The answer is h=8 m=52
